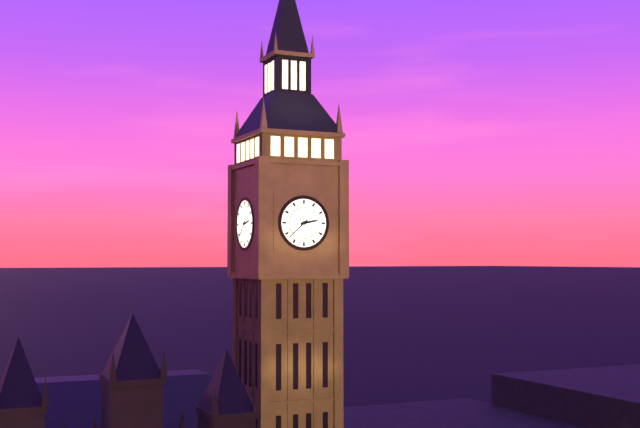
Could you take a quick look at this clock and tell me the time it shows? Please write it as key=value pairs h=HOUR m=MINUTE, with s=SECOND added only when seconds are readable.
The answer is h=2 m=38
